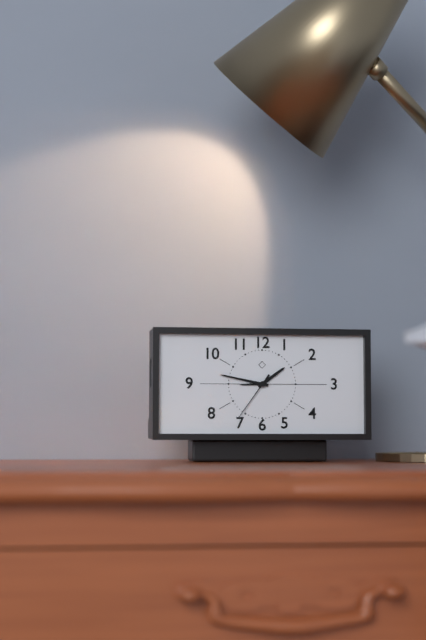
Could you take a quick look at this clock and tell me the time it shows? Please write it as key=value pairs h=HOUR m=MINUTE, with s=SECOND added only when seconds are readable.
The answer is h=1 m=47 s=36
